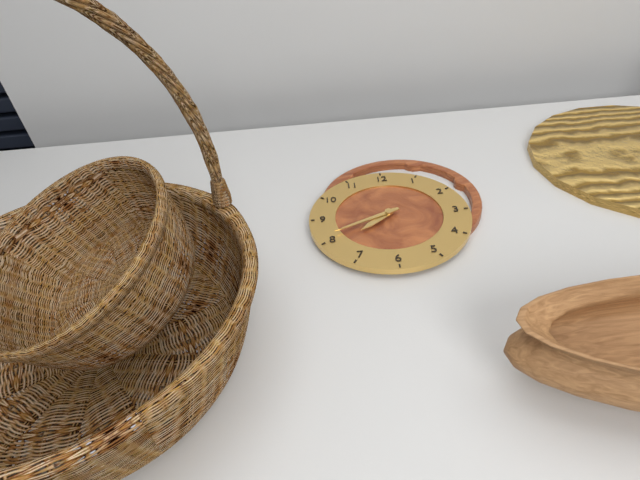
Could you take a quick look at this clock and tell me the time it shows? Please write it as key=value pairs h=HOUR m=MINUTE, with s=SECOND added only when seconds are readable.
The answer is h=7 m=41
